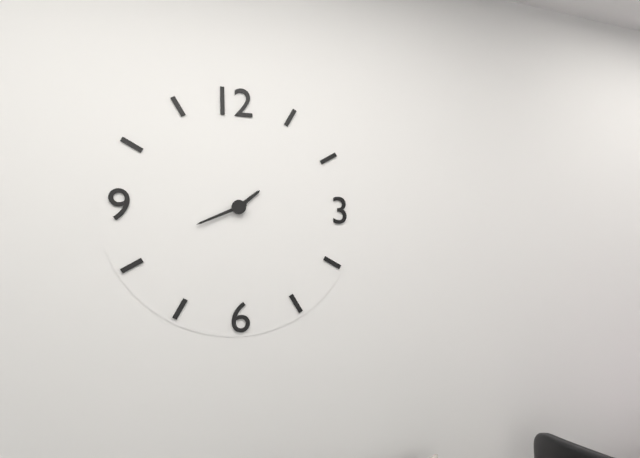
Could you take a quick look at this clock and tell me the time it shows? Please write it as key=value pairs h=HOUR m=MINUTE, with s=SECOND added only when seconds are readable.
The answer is h=1 m=41
